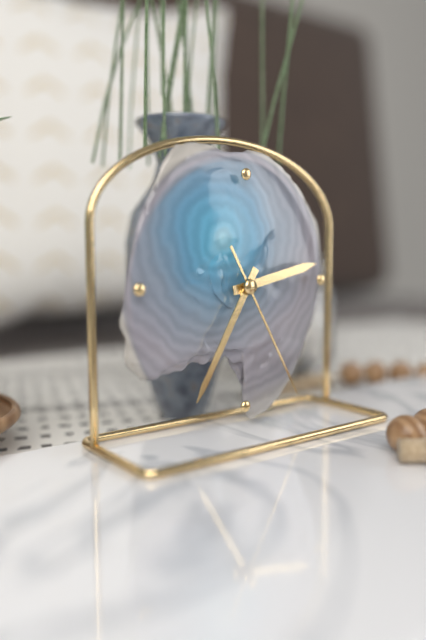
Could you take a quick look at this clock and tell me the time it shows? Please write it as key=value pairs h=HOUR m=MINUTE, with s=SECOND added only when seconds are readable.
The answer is h=2 m=35 s=25
